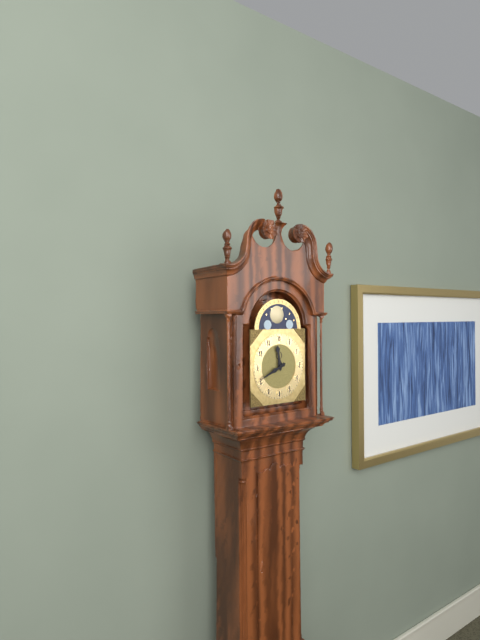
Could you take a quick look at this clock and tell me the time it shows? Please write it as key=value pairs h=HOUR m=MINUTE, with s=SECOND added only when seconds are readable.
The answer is h=11 m=41
